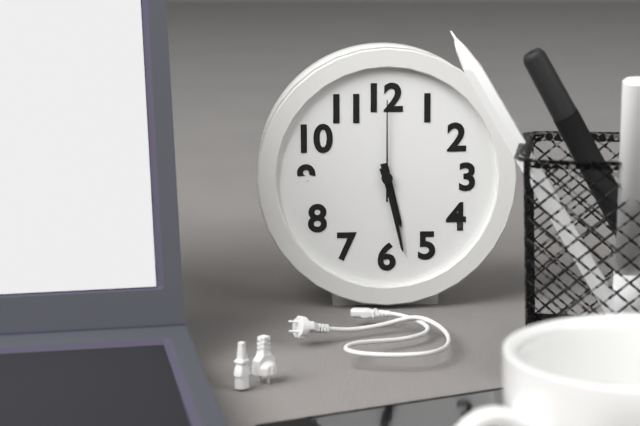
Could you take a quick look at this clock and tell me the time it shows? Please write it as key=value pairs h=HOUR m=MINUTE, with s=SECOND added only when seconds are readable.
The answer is h=5 m=28 s=0
